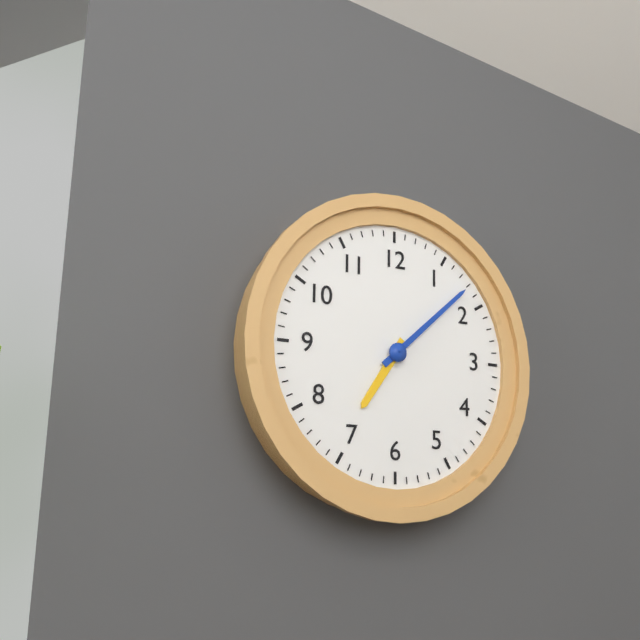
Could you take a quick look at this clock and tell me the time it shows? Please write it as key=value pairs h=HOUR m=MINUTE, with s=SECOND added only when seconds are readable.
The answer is h=7 m=8
